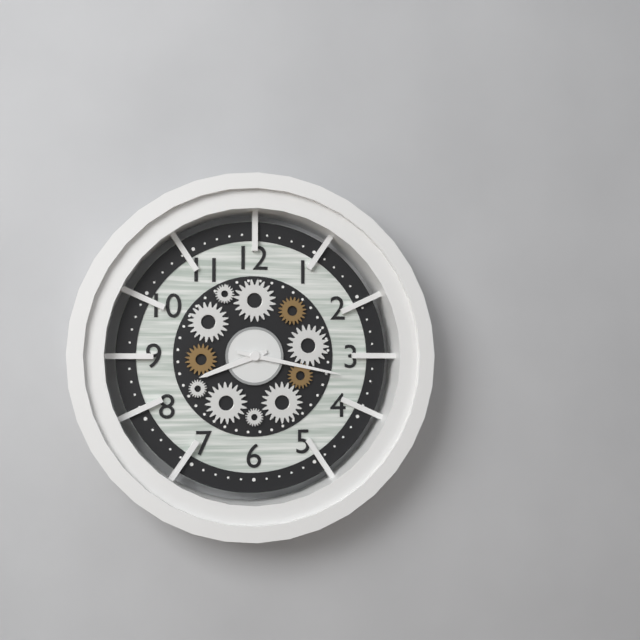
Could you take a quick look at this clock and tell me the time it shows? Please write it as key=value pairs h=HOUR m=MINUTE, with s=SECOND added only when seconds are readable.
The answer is h=8 m=17
